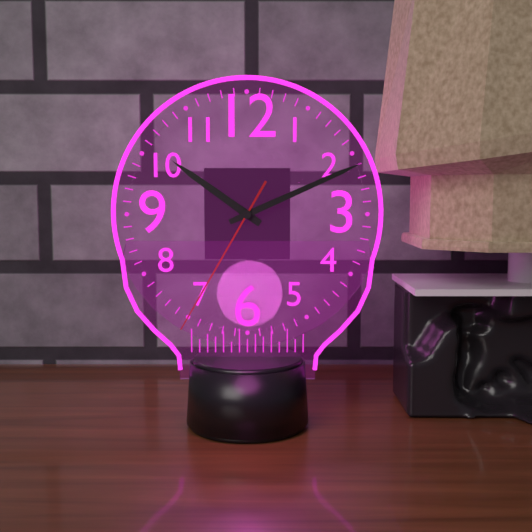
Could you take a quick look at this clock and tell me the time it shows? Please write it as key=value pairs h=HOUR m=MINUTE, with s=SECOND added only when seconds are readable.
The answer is h=10 m=11 s=35
